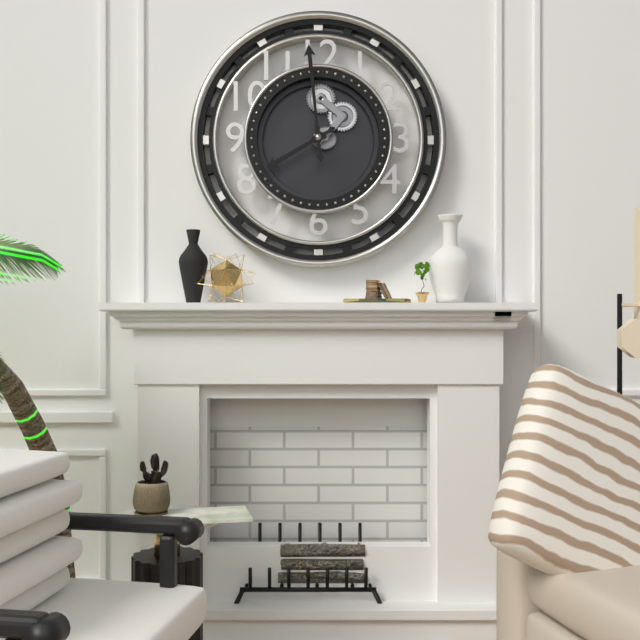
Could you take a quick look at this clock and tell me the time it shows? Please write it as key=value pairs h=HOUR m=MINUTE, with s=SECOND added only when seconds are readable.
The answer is h=7 m=59
